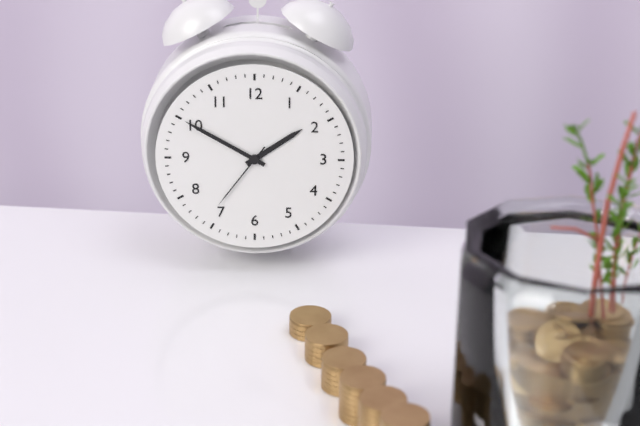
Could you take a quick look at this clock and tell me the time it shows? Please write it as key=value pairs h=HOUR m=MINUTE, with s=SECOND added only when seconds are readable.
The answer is h=1 m=50 s=36
